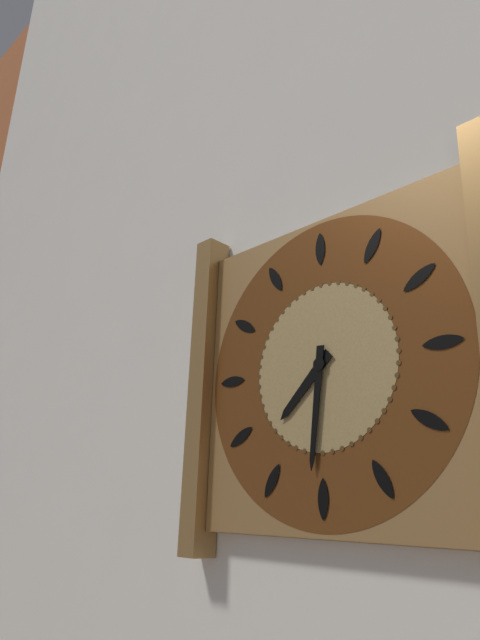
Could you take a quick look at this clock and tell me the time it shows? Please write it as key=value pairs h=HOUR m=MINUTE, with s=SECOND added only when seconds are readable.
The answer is h=7 m=31
